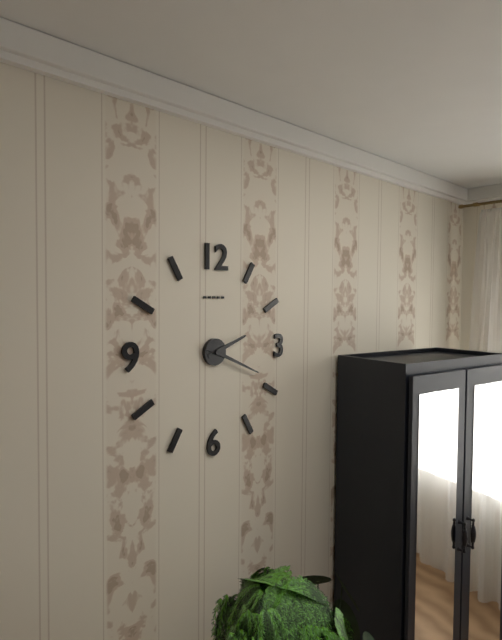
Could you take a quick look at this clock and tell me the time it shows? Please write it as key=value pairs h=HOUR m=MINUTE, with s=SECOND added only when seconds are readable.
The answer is h=2 m=19
